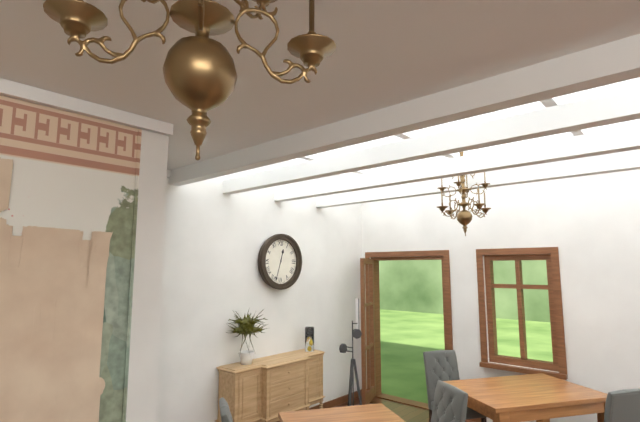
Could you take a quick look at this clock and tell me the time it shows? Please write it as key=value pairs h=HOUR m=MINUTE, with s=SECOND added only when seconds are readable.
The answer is h=12 m=33
